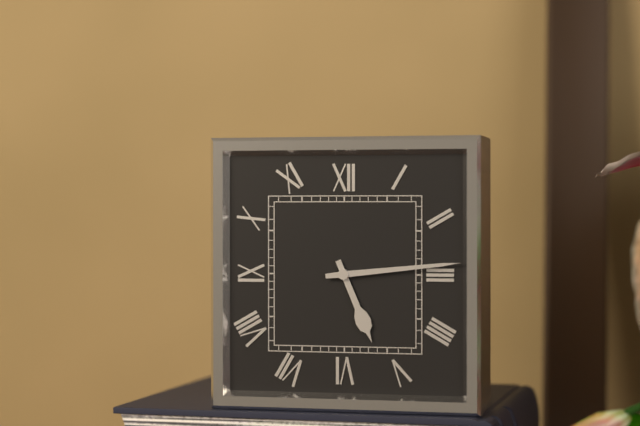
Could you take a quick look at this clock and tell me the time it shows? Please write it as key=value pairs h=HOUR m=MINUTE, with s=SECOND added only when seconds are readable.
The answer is h=5 m=14
